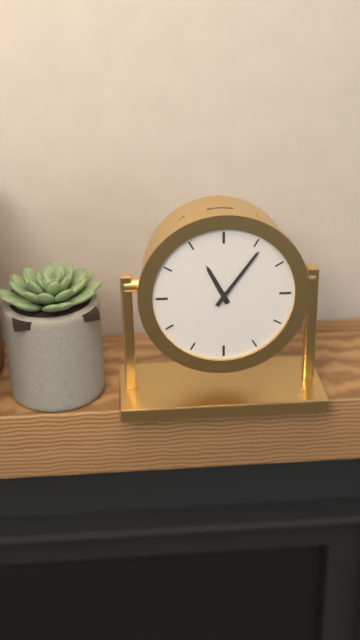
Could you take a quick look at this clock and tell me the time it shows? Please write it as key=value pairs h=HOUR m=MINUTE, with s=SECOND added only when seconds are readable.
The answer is h=11 m=6
